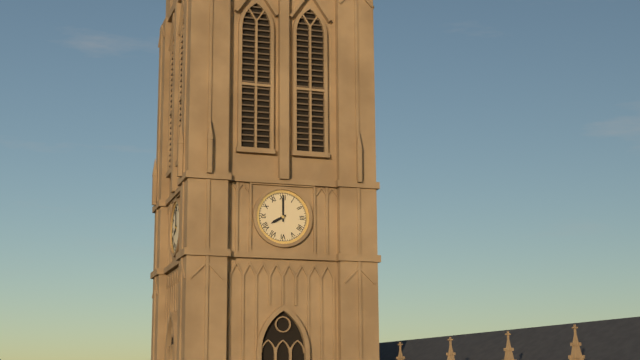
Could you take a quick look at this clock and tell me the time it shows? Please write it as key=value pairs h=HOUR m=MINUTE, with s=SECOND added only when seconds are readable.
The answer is h=8 m=0
